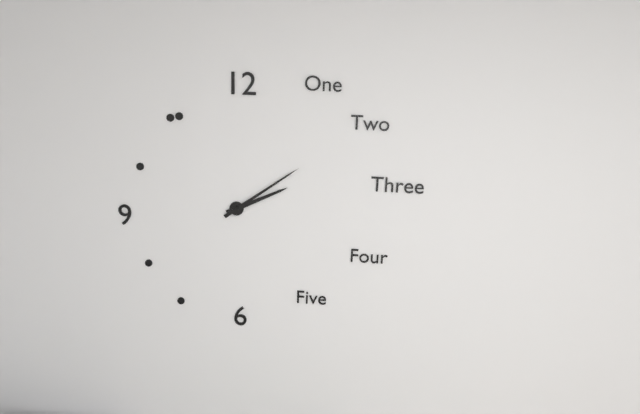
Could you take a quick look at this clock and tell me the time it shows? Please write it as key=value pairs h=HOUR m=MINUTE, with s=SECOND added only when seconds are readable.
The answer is h=2 m=9
